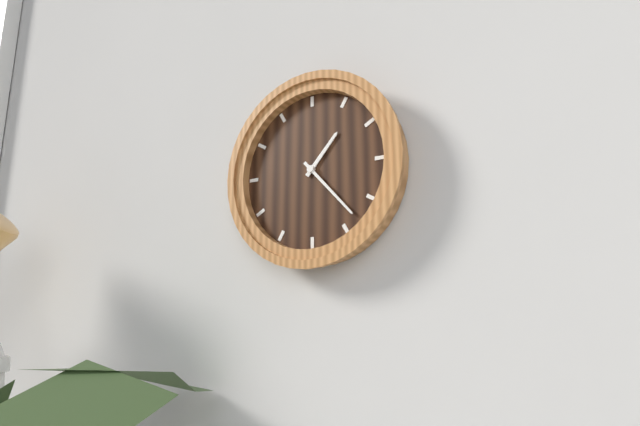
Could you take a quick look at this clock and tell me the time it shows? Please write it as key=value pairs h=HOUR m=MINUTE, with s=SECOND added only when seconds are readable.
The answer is h=1 m=23
